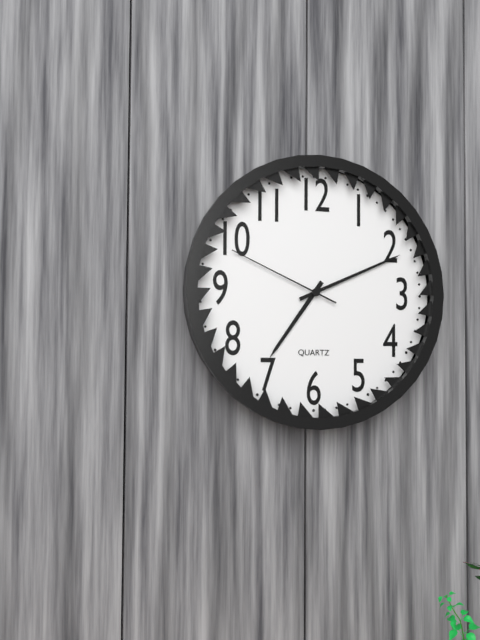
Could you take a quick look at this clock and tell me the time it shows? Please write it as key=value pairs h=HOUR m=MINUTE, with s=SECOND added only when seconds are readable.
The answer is h=7 m=11 s=49
